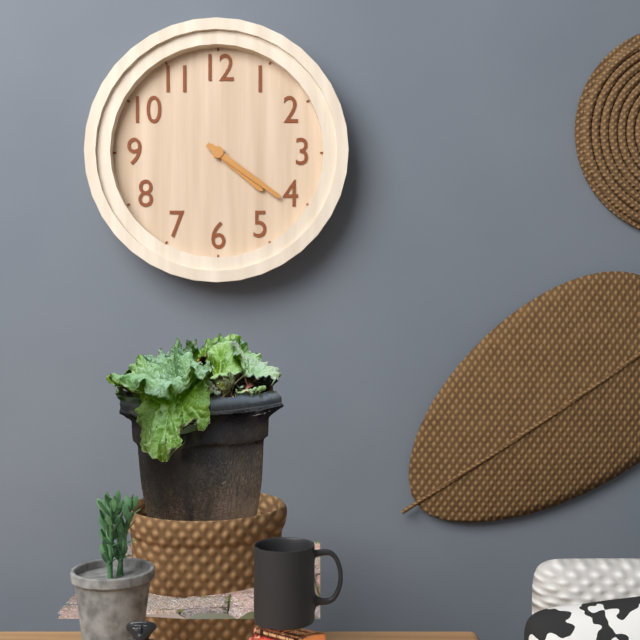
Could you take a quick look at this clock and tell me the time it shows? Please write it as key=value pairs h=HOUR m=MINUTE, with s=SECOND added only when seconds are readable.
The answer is h=4 m=21
